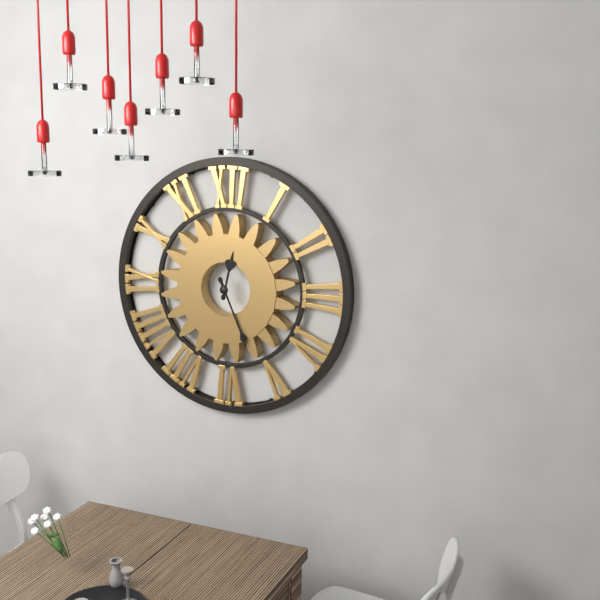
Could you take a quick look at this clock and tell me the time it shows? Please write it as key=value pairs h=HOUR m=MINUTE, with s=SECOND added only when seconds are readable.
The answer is h=12 m=26
